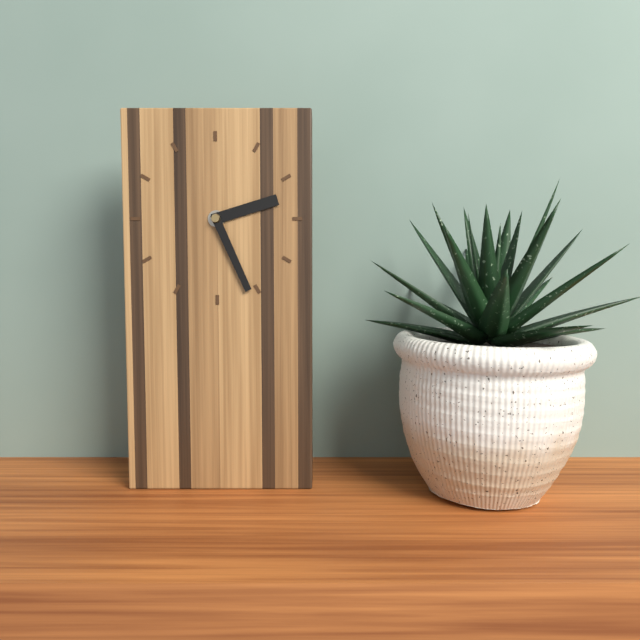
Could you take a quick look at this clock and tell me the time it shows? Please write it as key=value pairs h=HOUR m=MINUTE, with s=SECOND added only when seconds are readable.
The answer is h=2 m=26
